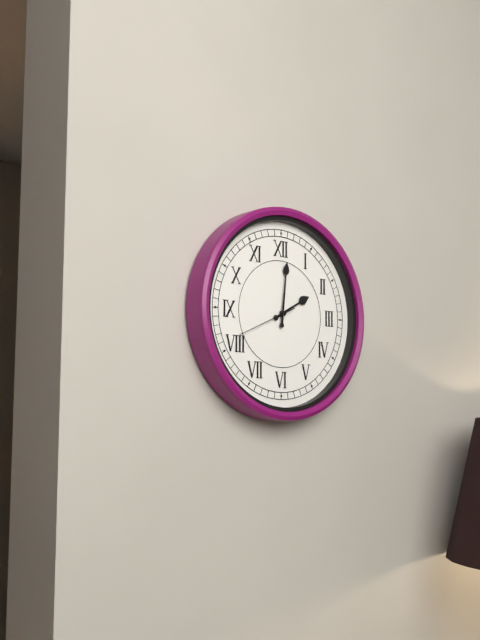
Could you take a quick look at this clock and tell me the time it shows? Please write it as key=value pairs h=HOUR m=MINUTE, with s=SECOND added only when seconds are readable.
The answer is h=2 m=1
